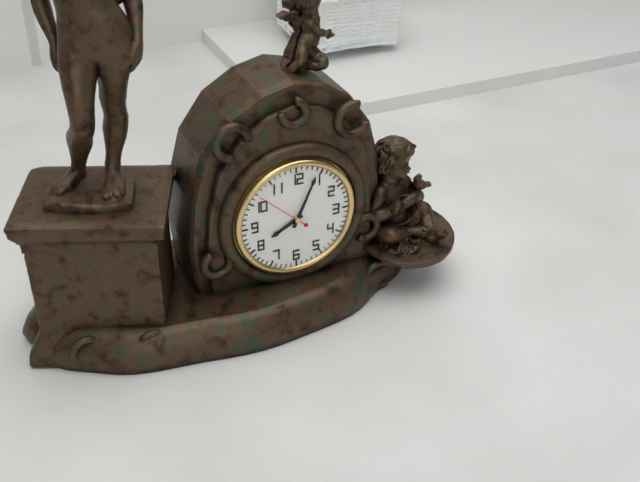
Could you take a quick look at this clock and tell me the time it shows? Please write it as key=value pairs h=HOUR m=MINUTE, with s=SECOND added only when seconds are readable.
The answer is h=8 m=4 s=52
